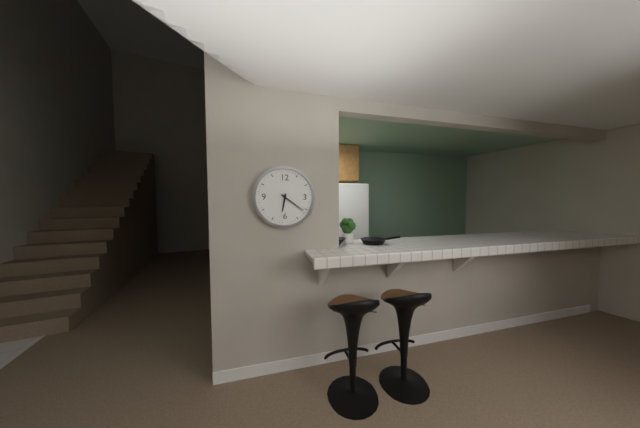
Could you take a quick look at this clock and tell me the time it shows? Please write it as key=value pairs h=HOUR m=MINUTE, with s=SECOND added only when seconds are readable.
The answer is h=6 m=21
